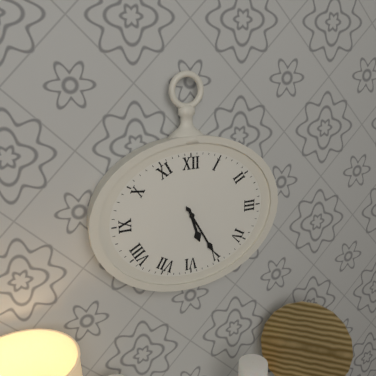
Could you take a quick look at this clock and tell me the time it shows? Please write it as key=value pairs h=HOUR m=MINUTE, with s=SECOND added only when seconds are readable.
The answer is h=5 m=25
